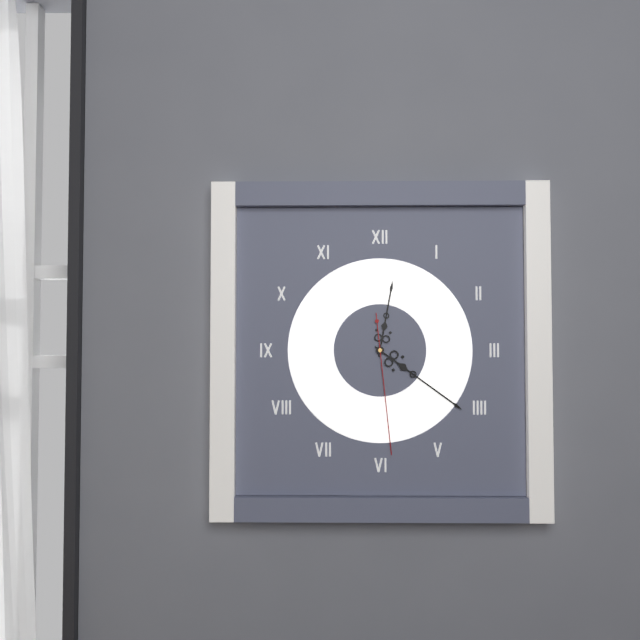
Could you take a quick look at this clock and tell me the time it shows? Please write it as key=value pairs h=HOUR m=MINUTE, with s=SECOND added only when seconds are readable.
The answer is h=12 m=21 s=29
